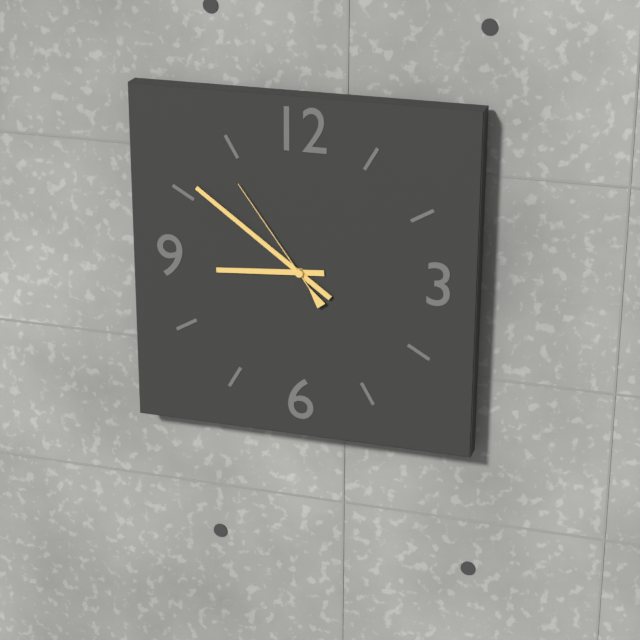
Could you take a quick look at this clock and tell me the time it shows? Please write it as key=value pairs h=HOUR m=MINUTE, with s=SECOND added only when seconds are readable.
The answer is h=8 m=51 s=54
